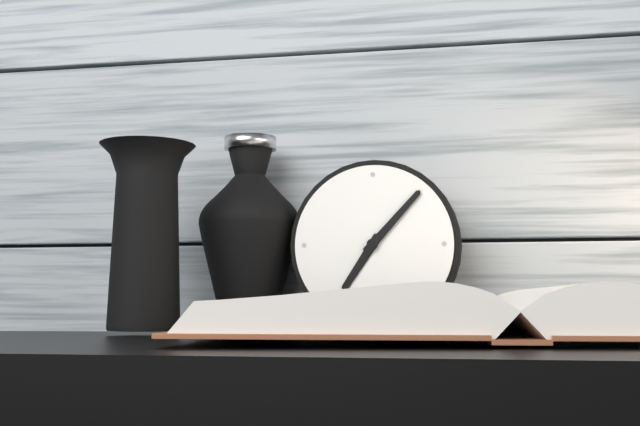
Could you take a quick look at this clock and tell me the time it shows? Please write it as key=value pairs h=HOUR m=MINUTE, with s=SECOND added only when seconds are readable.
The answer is h=7 m=7
